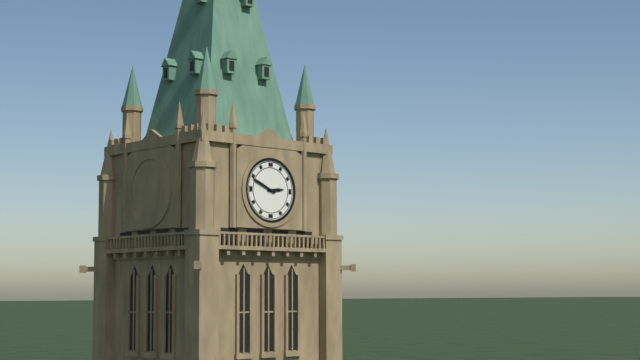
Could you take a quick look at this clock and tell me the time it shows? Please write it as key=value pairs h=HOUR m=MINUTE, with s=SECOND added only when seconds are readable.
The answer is h=2 m=49
